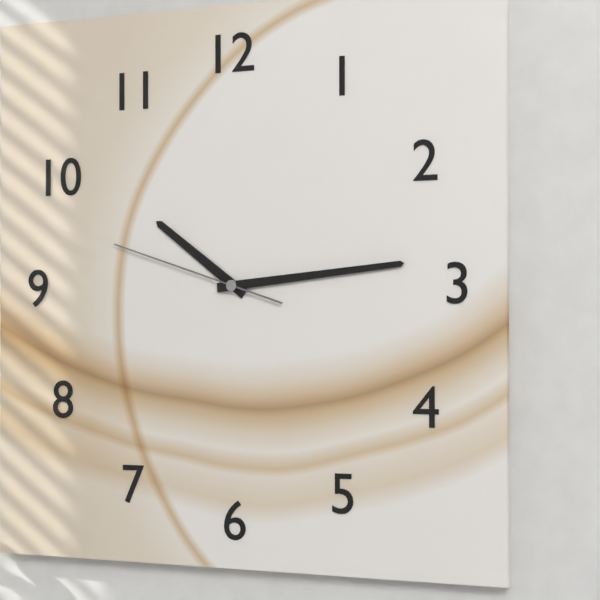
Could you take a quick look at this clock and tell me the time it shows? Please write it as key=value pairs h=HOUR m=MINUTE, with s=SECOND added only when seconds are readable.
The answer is h=10 m=14 s=48
